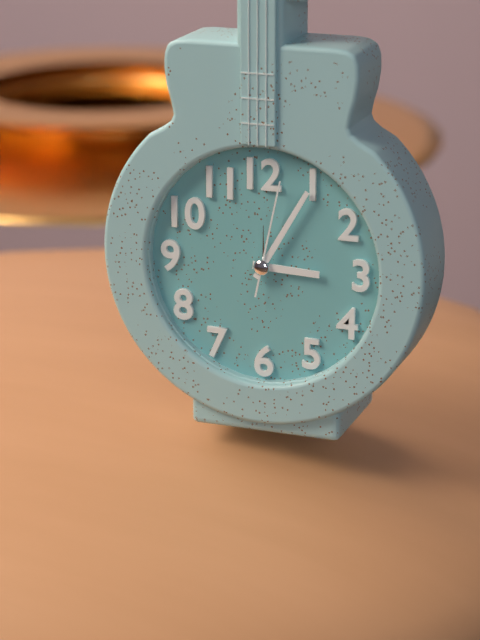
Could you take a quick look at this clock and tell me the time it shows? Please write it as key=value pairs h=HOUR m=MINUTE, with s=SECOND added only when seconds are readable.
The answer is h=3 m=5 s=2
